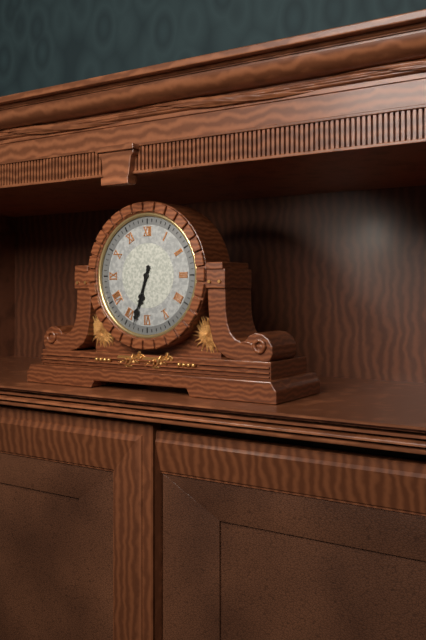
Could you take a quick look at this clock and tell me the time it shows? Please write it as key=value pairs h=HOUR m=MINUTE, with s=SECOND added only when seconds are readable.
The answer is h=6 m=33
